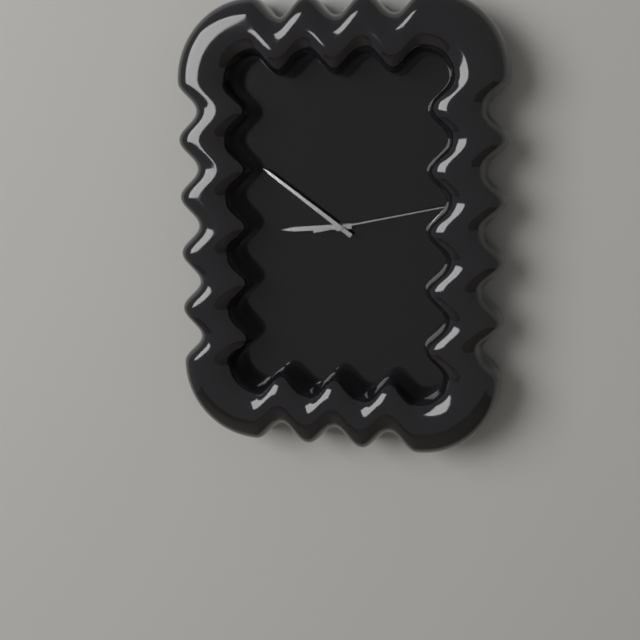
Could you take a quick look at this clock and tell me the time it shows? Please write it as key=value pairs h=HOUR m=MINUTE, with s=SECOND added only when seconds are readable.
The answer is h=8 m=51 s=13
